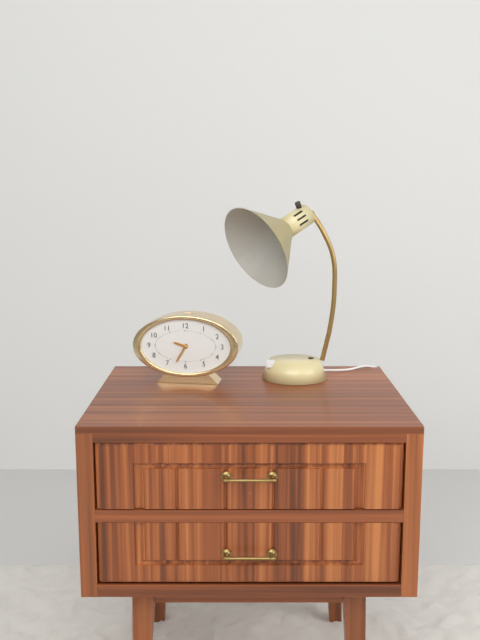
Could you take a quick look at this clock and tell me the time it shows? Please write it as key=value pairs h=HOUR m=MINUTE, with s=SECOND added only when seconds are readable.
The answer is h=9 m=35
